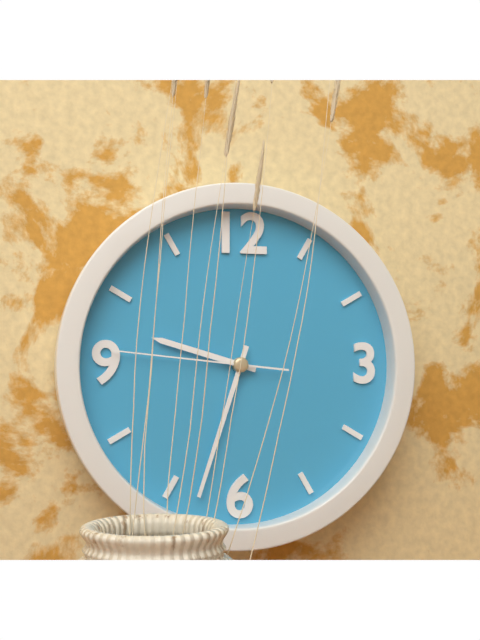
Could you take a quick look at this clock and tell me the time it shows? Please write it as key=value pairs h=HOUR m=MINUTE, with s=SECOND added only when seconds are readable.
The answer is h=9 m=33 s=46
